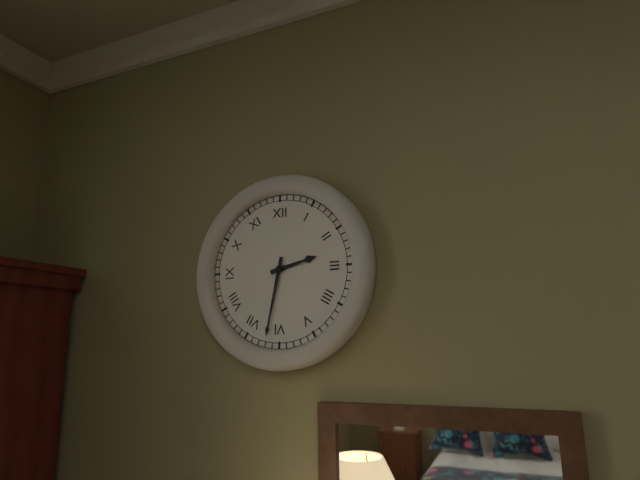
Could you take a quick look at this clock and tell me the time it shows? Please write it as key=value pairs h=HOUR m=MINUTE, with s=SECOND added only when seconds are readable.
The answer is h=2 m=32
